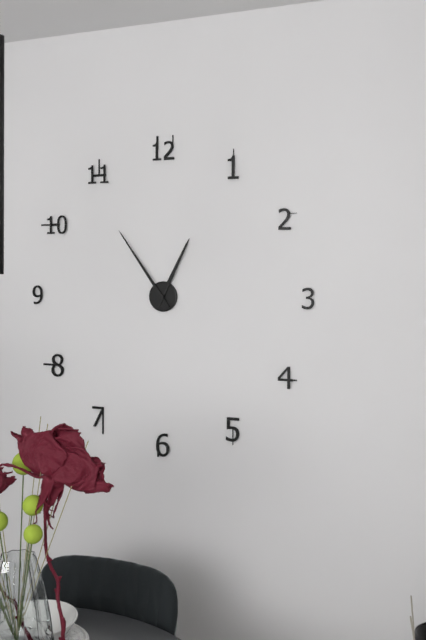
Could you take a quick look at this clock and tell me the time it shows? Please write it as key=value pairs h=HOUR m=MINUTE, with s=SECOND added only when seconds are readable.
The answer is h=12 m=54
